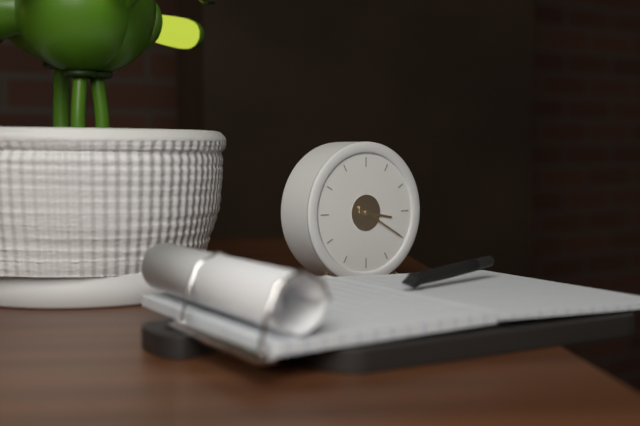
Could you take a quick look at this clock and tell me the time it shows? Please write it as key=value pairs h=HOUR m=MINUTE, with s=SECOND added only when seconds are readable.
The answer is h=3 m=20
